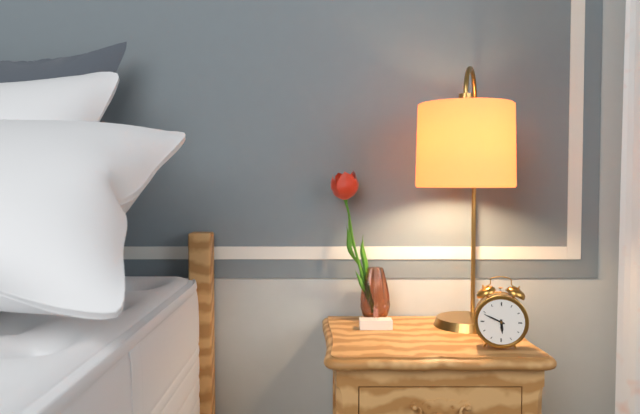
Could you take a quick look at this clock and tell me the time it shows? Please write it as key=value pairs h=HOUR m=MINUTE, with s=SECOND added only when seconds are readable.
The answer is h=5 m=49
